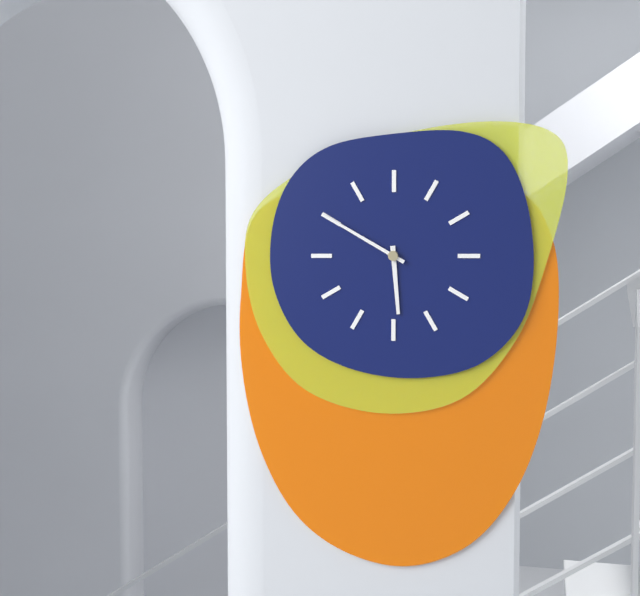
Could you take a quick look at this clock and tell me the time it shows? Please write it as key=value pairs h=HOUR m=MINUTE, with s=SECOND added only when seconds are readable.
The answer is h=5 m=50
